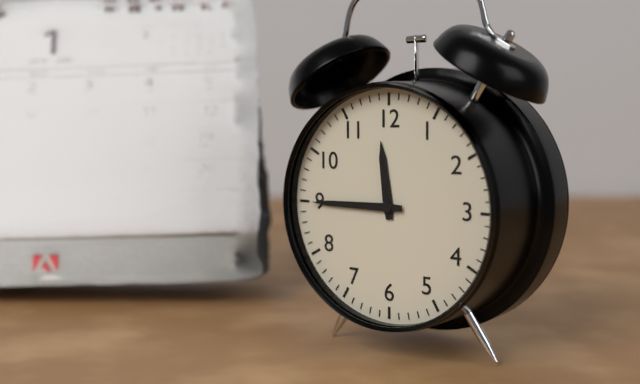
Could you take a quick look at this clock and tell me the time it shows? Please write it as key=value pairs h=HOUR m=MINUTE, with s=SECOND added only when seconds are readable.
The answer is h=11 m=45
